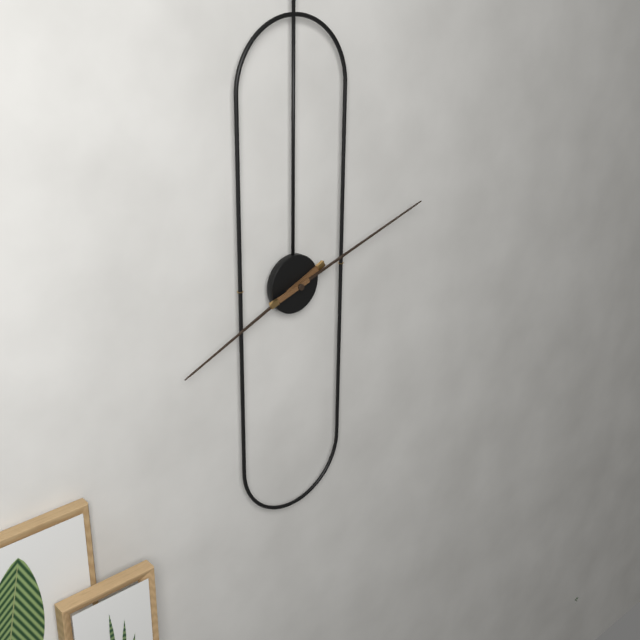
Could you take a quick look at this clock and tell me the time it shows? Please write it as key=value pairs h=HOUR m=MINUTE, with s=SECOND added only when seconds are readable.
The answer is h=8 m=12
